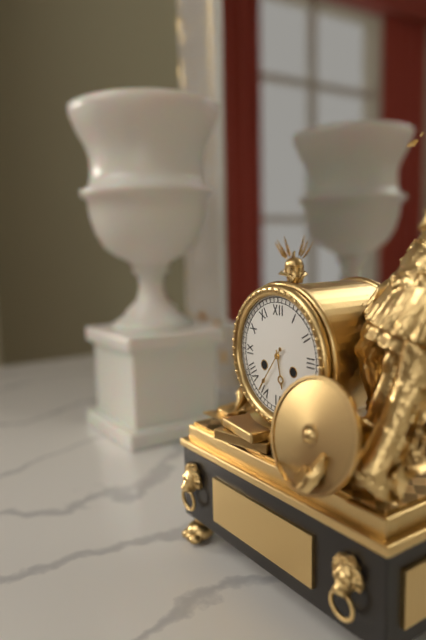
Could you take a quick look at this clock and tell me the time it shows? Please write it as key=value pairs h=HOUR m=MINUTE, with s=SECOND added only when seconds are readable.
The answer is h=5 m=36
